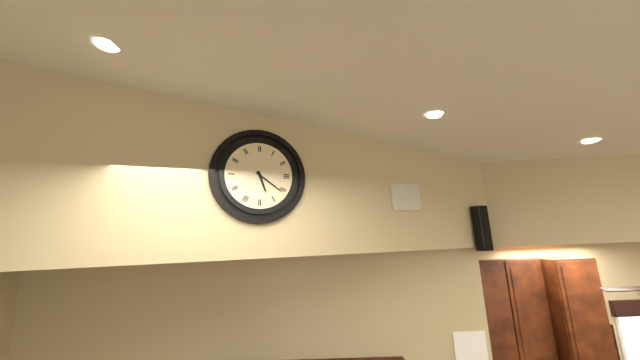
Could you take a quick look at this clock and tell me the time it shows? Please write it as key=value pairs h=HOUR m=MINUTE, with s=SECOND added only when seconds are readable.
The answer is h=5 m=21
